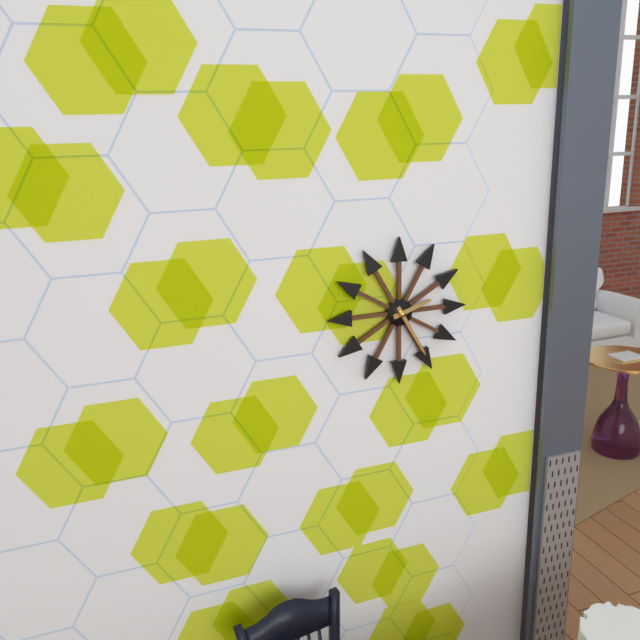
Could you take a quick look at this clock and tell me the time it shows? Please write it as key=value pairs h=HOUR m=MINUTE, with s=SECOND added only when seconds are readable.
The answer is h=2 m=25
